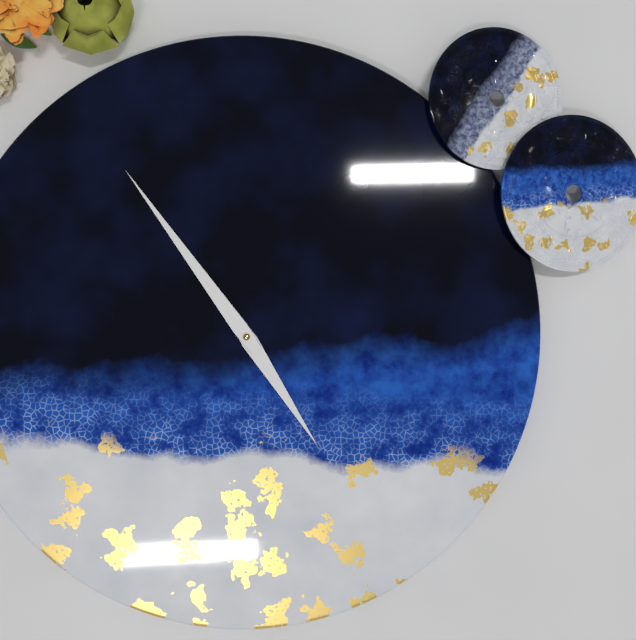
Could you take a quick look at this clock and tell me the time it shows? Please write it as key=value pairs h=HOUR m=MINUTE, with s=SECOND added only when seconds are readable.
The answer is h=4 m=54
